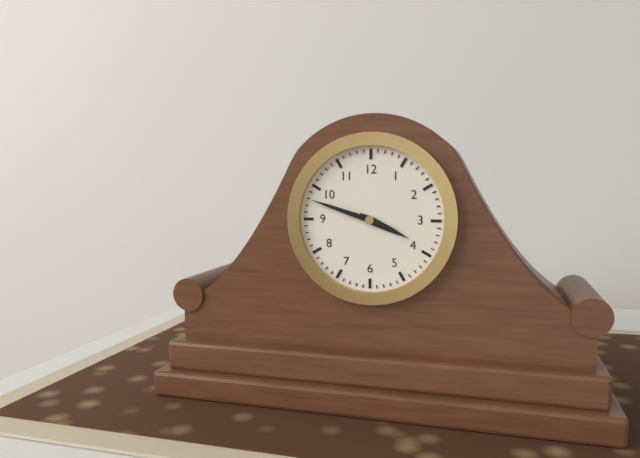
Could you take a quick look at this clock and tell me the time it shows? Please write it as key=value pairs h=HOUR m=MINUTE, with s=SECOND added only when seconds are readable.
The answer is h=3 m=48
